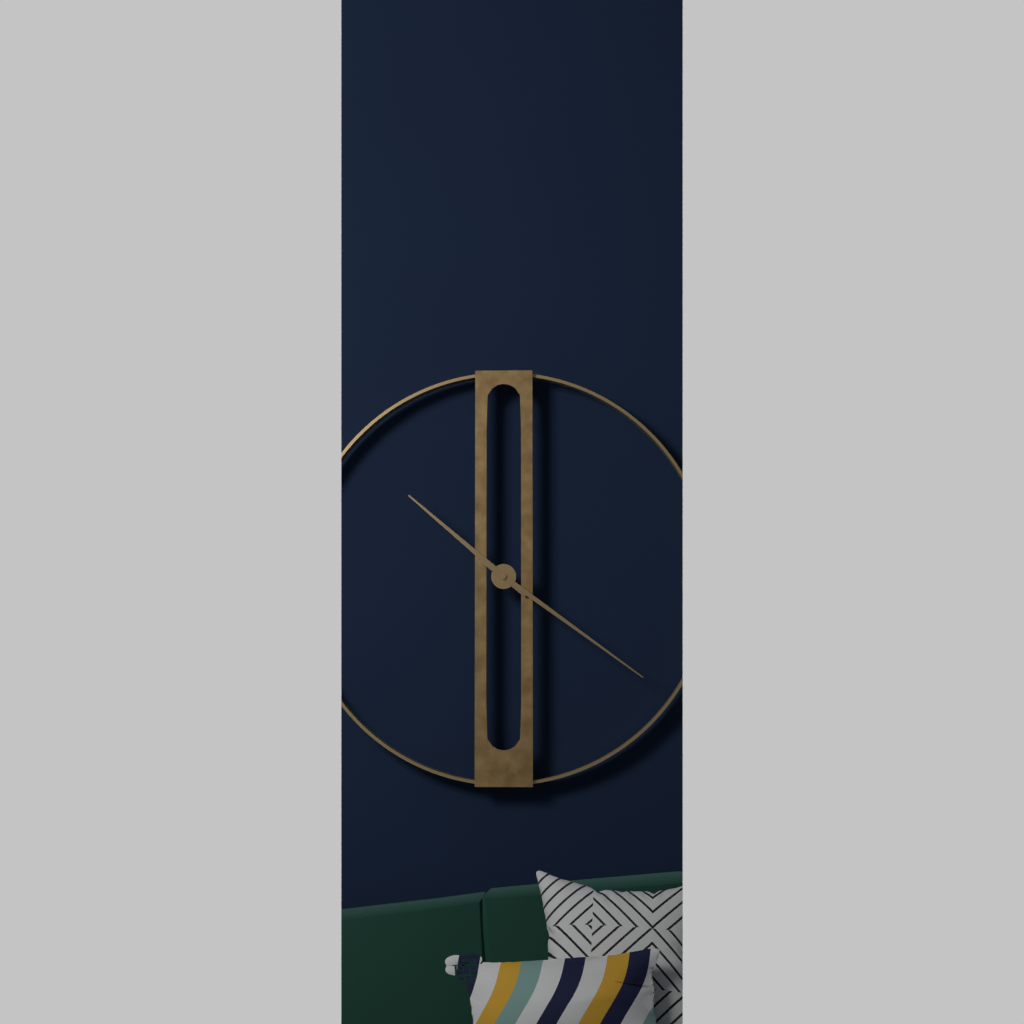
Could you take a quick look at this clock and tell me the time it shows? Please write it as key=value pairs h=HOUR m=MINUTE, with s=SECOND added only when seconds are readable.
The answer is h=10 m=21
